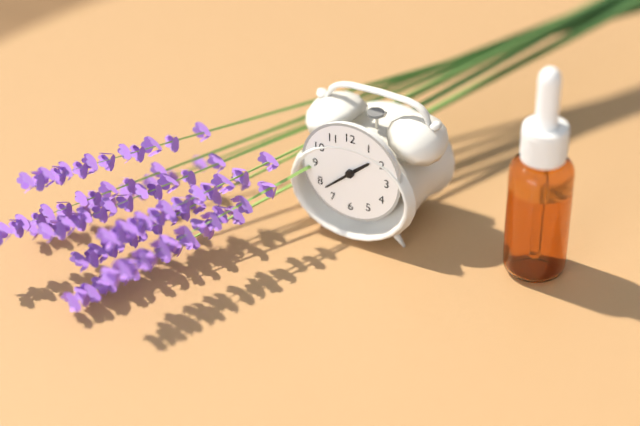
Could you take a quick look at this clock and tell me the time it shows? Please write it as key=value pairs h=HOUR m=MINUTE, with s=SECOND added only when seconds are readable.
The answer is h=1 m=38
